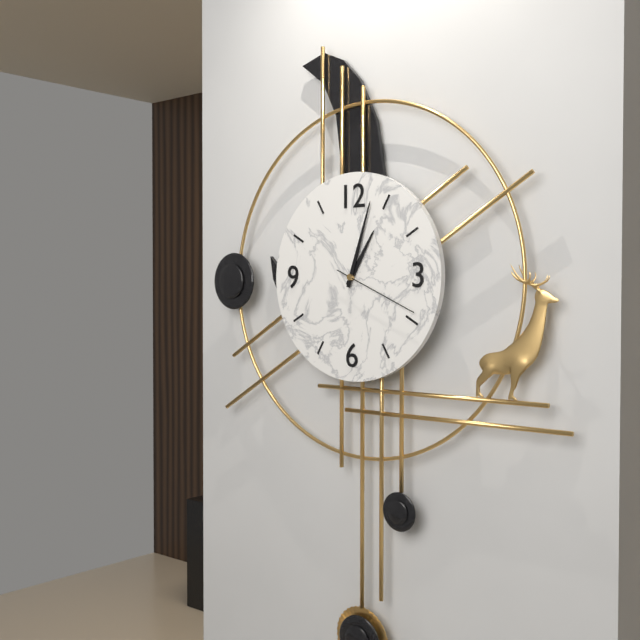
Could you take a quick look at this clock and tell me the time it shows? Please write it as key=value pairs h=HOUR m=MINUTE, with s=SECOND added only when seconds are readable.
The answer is h=1 m=3 s=19
